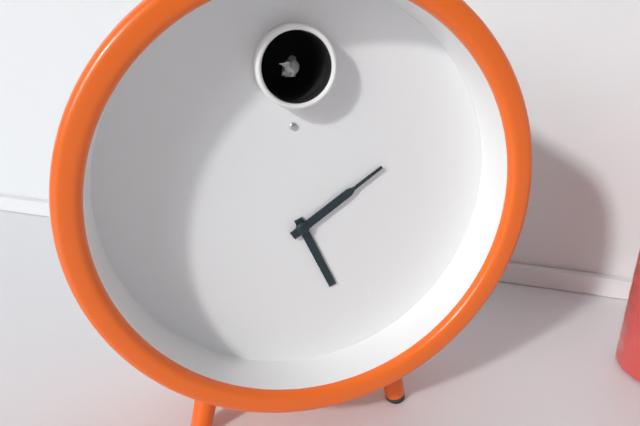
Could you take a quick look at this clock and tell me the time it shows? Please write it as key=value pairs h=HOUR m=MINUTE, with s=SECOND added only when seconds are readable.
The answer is h=5 m=9
